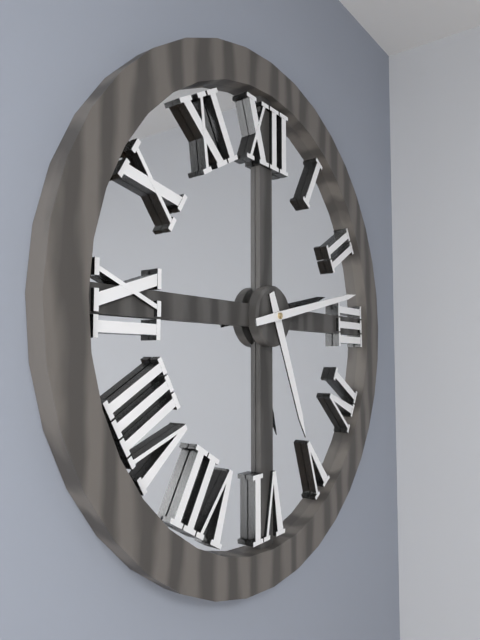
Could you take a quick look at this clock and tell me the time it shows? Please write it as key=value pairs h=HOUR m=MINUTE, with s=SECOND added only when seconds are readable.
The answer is h=5 m=13
